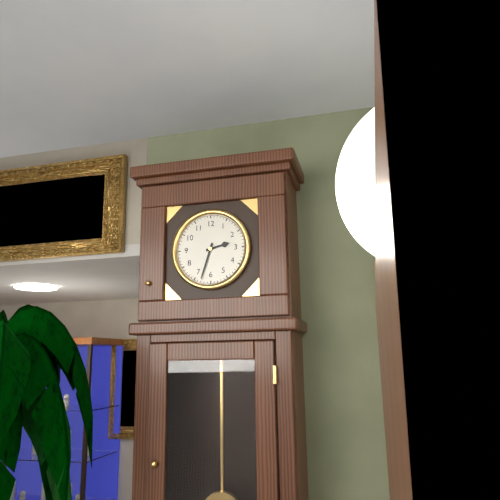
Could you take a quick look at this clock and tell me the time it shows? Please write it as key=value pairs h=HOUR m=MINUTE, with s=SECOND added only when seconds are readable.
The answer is h=2 m=33
